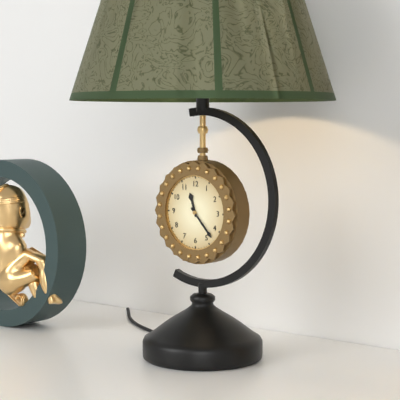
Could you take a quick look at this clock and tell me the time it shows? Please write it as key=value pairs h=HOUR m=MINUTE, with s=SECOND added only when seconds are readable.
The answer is h=11 m=23
